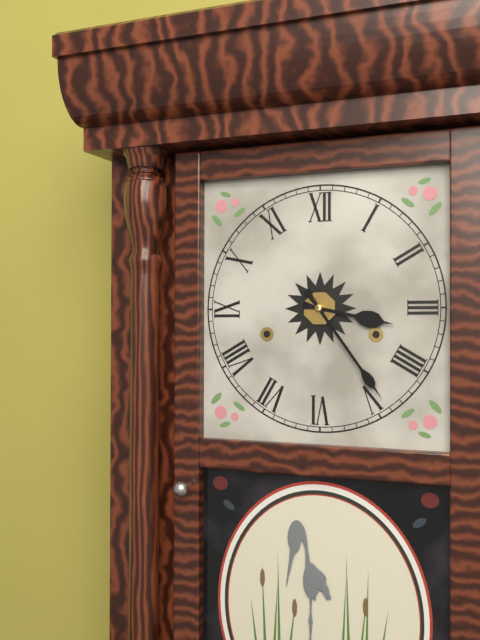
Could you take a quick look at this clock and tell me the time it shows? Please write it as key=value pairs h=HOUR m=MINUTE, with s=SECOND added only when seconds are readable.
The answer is h=3 m=24
